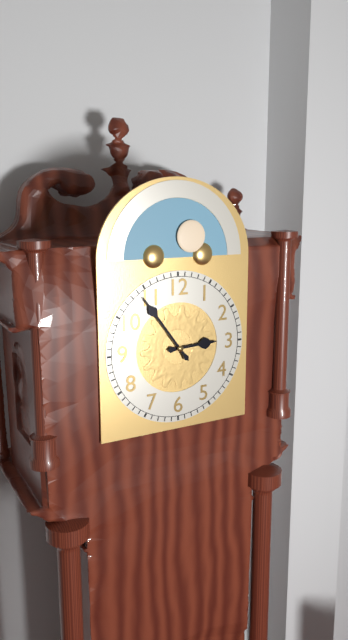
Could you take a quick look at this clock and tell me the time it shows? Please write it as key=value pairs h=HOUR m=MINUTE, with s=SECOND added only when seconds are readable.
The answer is h=2 m=54
